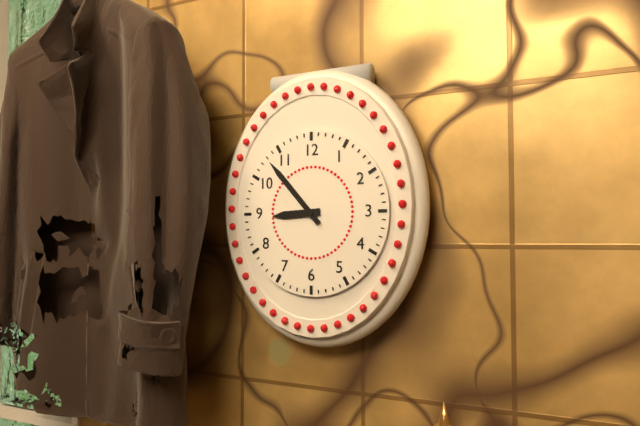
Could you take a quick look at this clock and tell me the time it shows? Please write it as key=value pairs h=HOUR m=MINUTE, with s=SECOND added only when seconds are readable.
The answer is h=8 m=53
